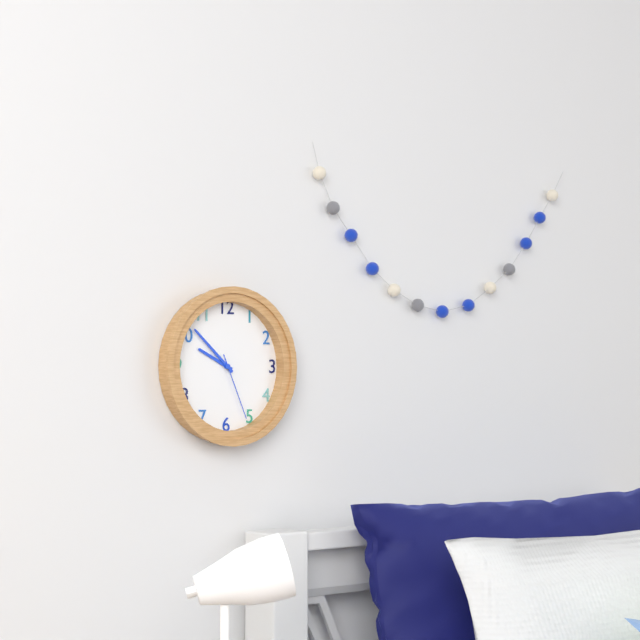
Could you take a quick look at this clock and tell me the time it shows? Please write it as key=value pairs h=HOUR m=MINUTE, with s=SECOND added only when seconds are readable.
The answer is h=9 m=52 s=26
